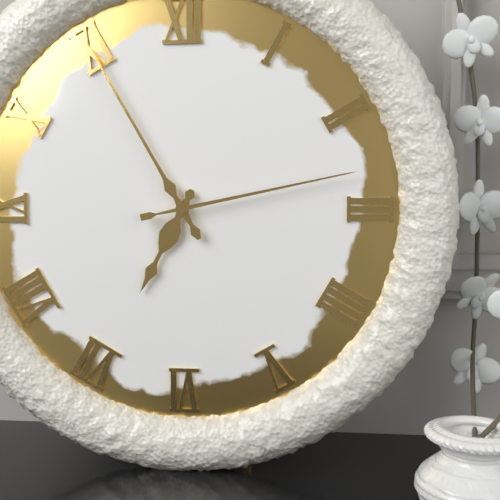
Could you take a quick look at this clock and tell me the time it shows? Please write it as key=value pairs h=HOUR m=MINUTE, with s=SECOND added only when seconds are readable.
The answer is h=6 m=55 s=13
